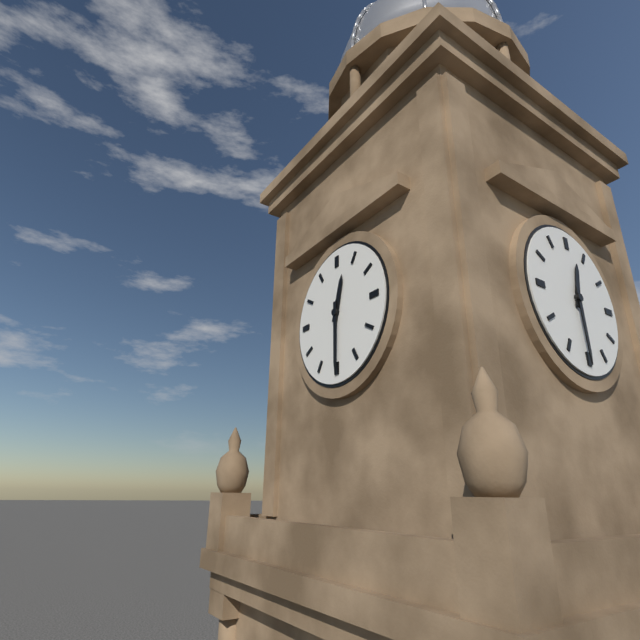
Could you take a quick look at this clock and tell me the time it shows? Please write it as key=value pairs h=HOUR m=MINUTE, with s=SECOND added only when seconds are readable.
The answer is h=12 m=30
